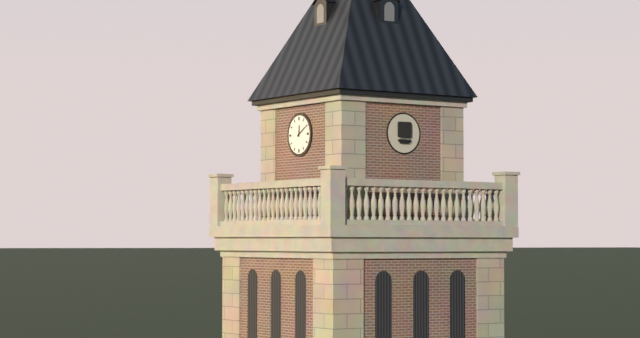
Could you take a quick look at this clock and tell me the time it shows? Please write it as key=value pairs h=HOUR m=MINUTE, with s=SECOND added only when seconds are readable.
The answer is h=12 m=10
